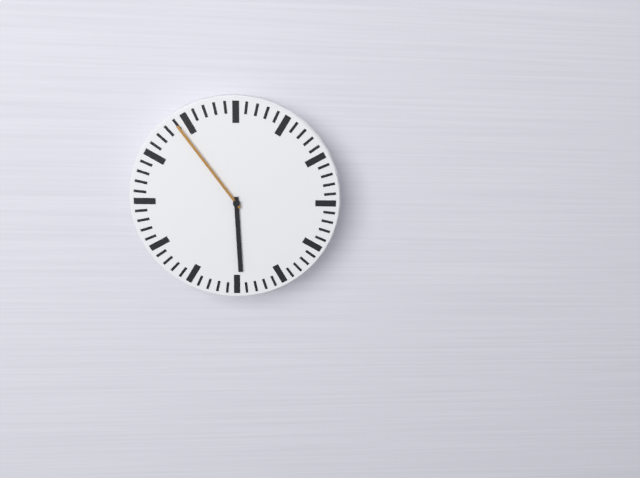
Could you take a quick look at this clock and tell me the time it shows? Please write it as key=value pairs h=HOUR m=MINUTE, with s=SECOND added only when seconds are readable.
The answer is h=5 m=54
